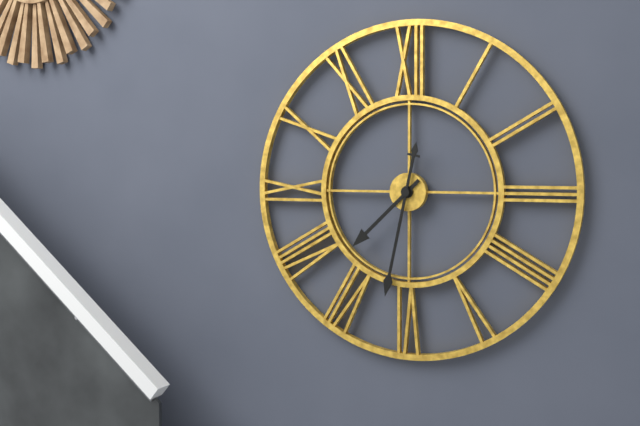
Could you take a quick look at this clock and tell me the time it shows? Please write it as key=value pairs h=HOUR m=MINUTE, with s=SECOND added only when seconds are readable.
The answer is h=7 m=32
